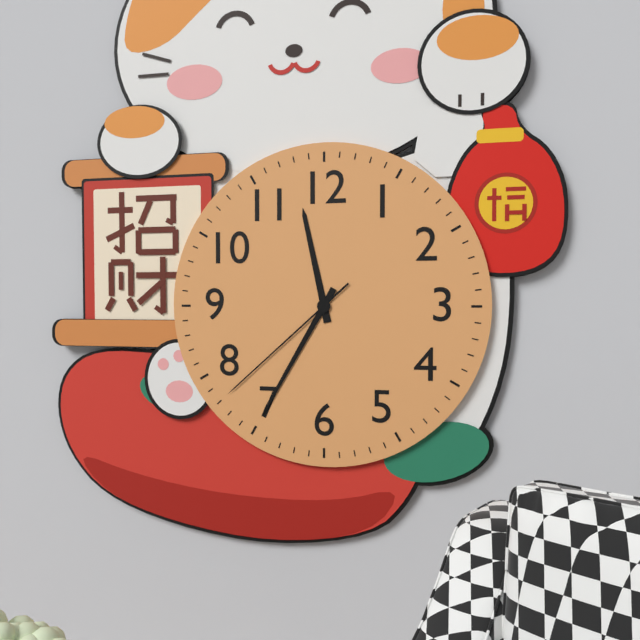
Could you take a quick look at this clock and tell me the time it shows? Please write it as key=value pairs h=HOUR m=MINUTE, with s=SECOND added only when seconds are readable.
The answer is h=11 m=35 s=38
